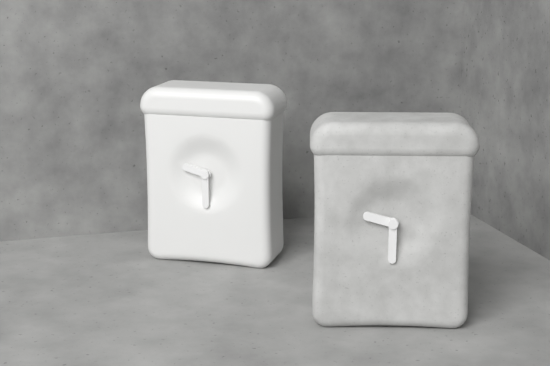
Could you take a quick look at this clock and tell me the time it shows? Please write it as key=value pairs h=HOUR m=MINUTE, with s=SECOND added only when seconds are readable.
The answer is h=9 m=30
